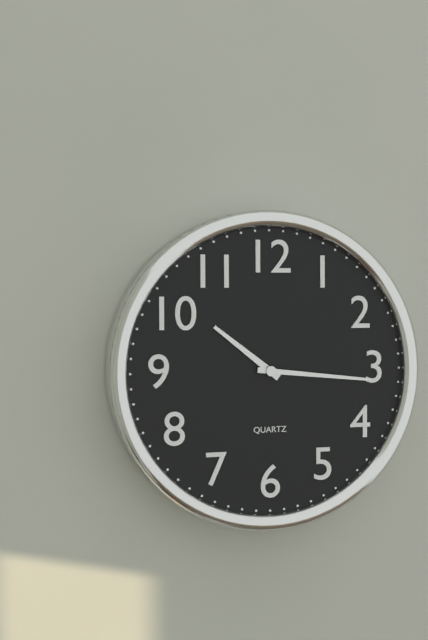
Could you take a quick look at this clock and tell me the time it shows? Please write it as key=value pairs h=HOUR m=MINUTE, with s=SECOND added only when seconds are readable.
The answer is h=10 m=16
